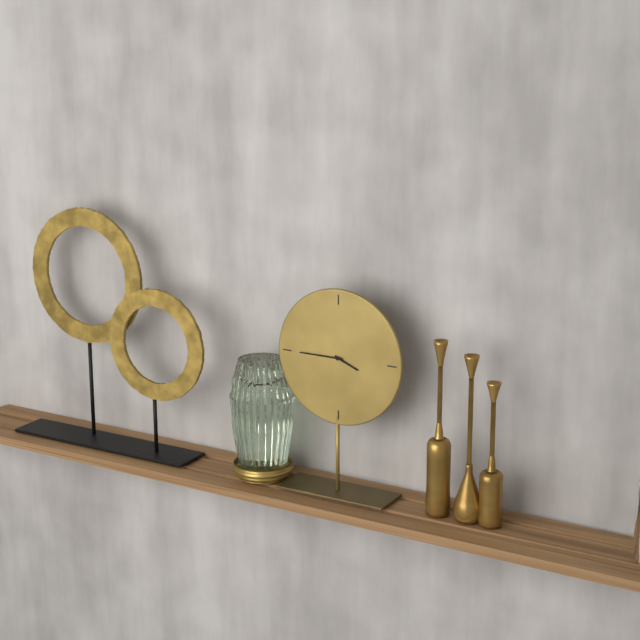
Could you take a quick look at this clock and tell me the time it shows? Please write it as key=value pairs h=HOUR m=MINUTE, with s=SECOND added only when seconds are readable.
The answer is h=3 m=45
